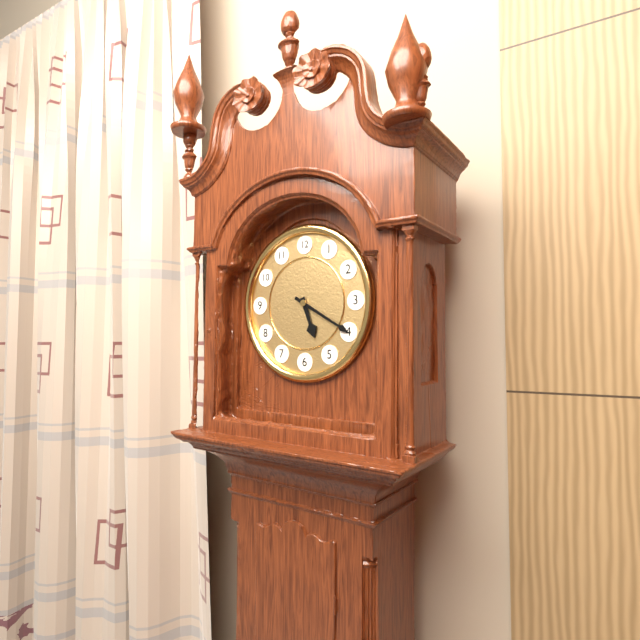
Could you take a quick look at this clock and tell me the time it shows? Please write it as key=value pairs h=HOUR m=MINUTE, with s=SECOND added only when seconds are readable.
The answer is h=5 m=20
